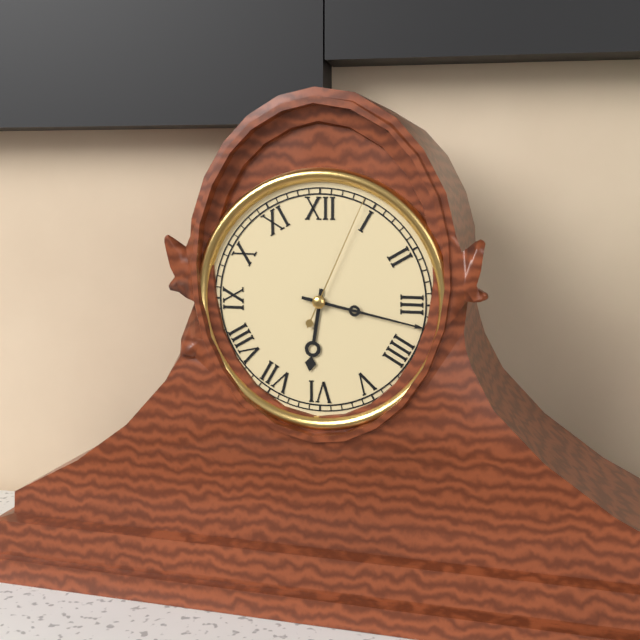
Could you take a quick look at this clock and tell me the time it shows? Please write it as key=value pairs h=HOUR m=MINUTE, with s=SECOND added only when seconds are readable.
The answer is h=6 m=17 s=4
